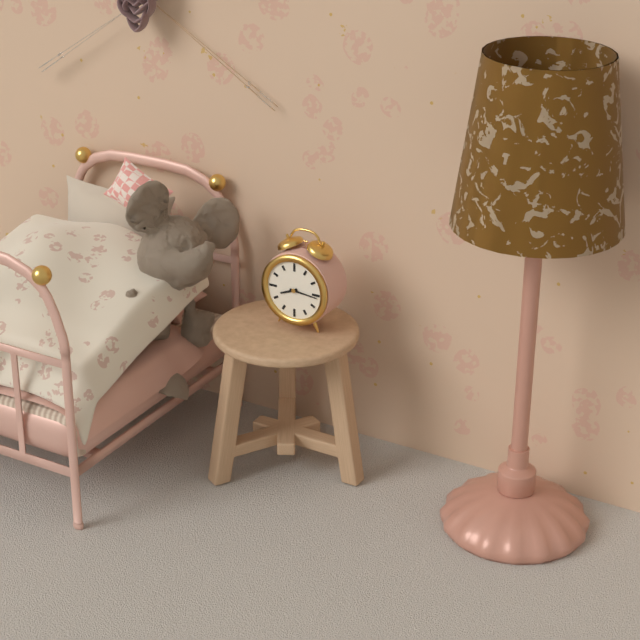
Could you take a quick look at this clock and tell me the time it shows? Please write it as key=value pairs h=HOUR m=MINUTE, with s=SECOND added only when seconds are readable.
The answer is h=8 m=16
